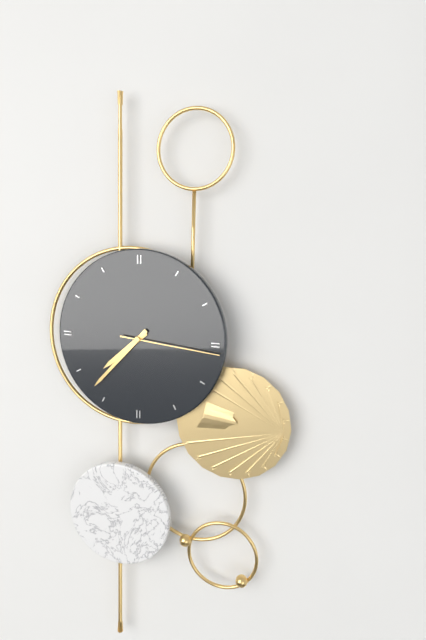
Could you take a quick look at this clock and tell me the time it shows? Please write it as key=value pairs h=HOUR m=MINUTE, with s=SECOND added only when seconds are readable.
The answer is h=7 m=37 s=16
